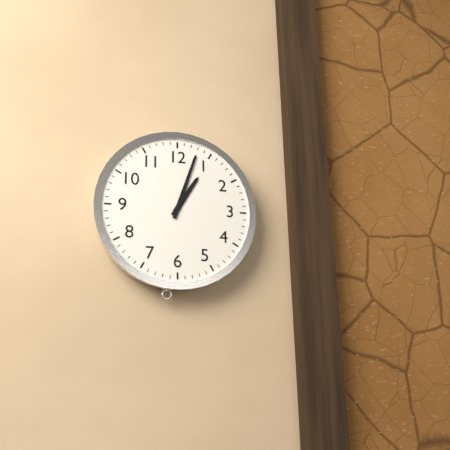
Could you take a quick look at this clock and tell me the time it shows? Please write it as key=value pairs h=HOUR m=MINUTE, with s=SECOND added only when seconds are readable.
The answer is h=1 m=3
